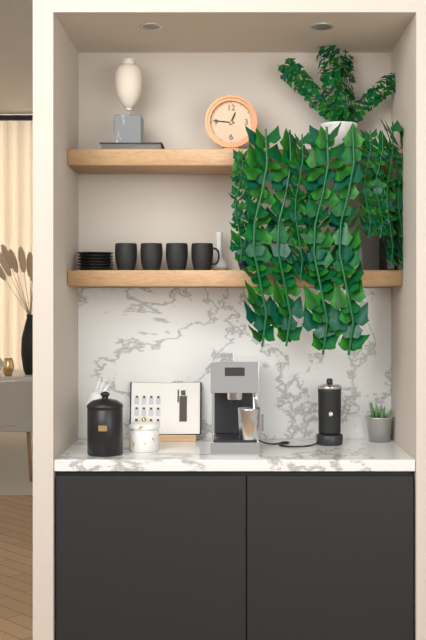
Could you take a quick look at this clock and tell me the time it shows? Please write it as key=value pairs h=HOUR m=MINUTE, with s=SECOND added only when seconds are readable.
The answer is h=12 m=46
